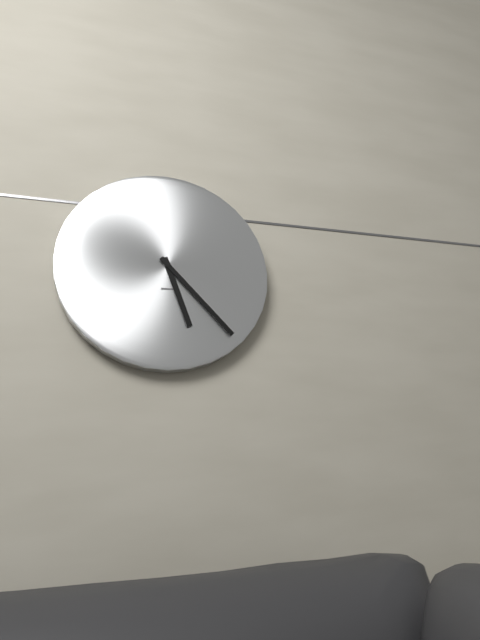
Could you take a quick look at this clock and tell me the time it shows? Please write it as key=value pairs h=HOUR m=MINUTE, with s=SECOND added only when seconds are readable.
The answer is h=5 m=23
